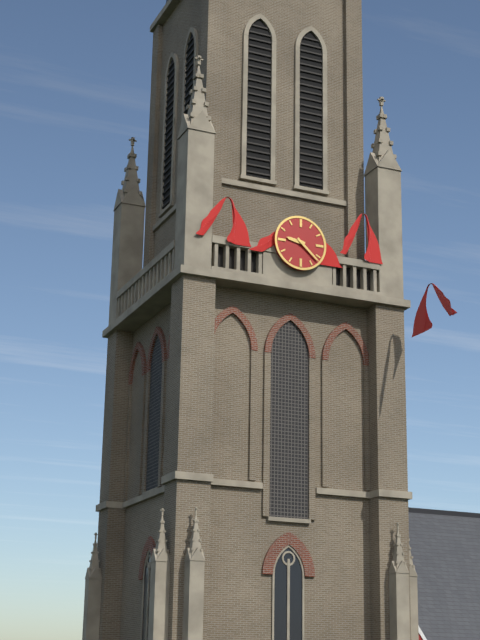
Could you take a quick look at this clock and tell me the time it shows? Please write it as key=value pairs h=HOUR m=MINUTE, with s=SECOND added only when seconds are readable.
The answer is h=9 m=22
